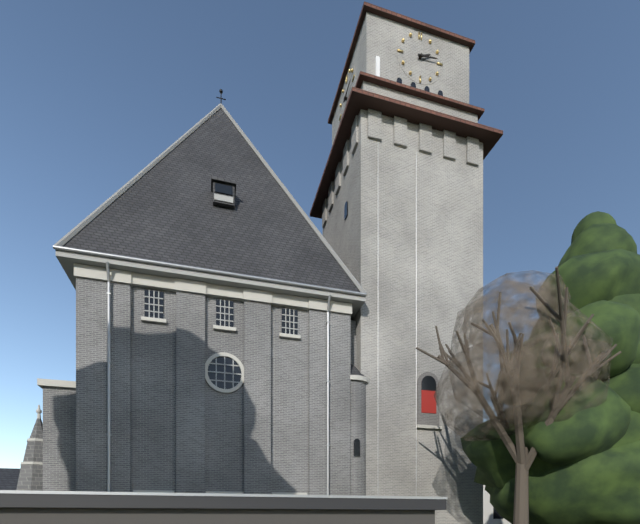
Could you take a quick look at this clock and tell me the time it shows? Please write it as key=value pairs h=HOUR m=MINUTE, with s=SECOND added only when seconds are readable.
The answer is h=2 m=14
